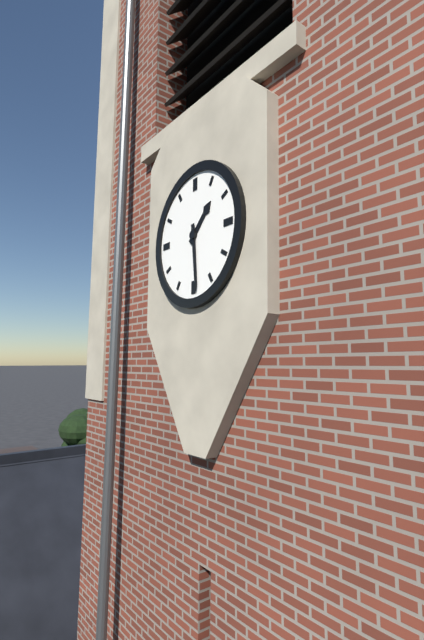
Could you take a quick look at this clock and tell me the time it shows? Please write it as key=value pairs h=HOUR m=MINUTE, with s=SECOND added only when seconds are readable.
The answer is h=1 m=29
